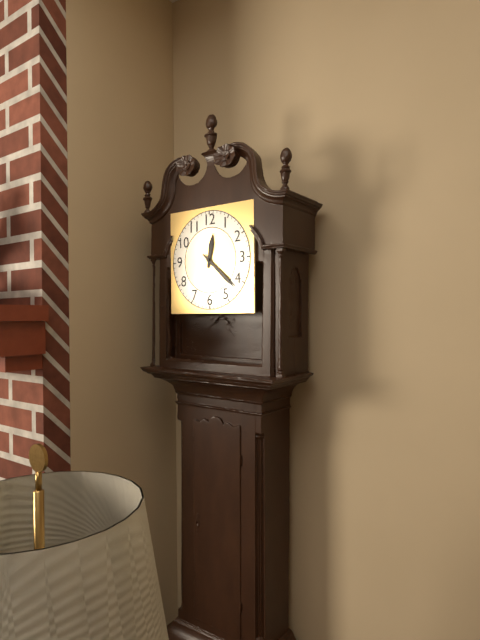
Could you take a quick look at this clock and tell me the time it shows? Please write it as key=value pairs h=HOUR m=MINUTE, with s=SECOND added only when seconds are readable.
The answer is h=12 m=22
